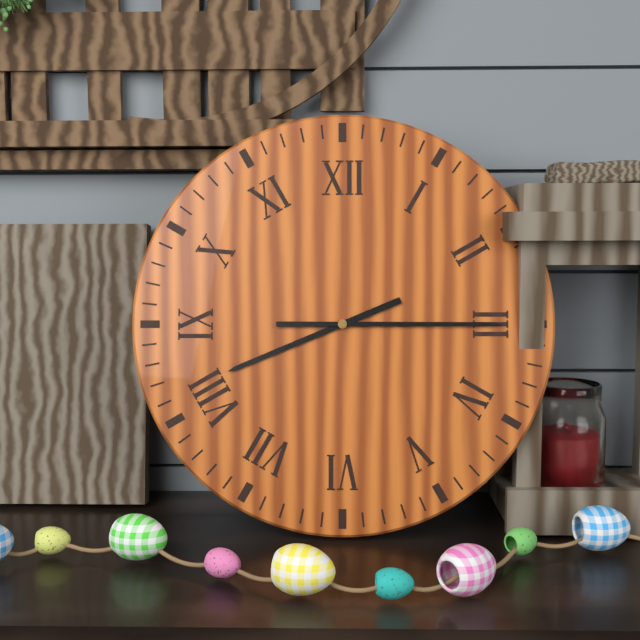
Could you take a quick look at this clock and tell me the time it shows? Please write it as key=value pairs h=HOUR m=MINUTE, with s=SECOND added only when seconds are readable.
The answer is h=8 m=15
